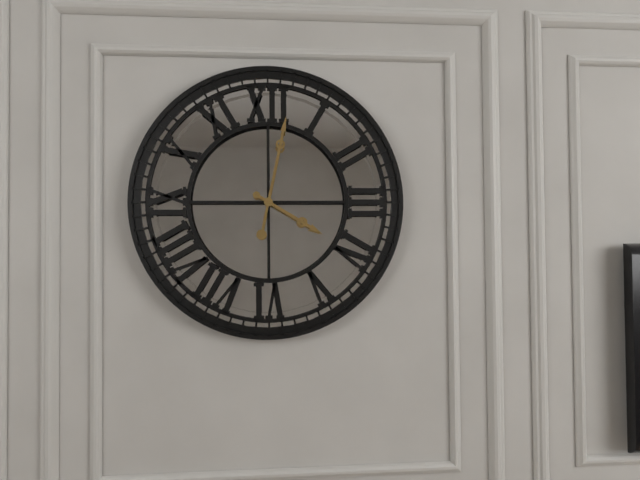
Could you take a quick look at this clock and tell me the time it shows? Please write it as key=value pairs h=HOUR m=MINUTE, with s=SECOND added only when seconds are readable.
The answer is h=4 m=2
